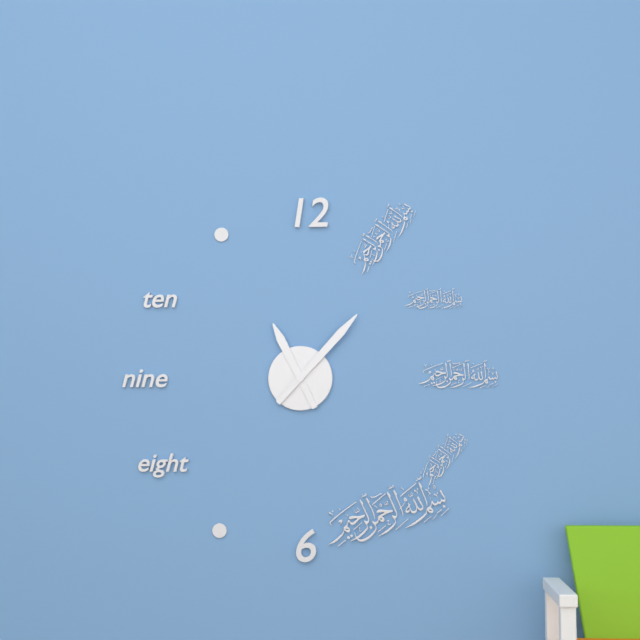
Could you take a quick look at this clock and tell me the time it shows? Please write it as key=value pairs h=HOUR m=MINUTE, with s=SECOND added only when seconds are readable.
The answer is h=11 m=7
